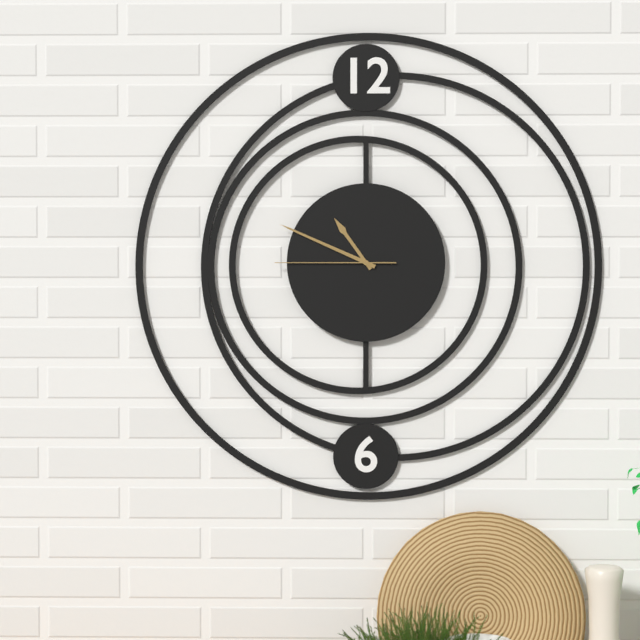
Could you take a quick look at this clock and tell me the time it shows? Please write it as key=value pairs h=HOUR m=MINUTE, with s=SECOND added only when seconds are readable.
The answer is h=10 m=49 s=45
